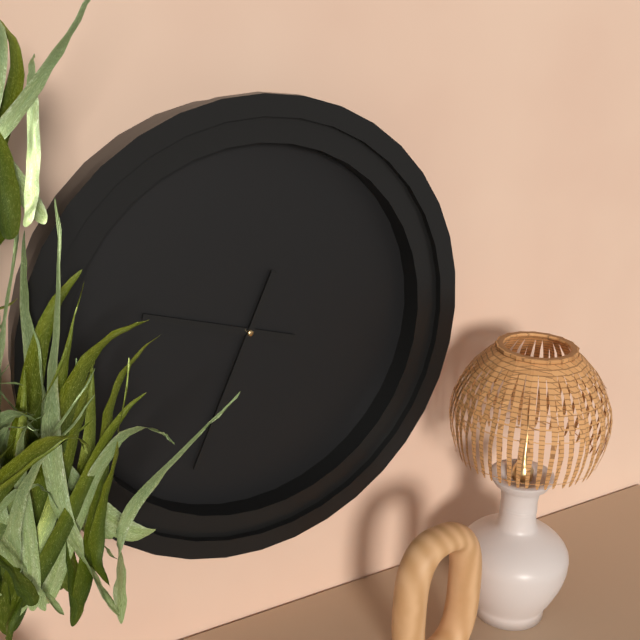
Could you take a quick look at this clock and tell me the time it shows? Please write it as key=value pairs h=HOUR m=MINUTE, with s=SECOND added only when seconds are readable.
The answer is h=9 m=34
